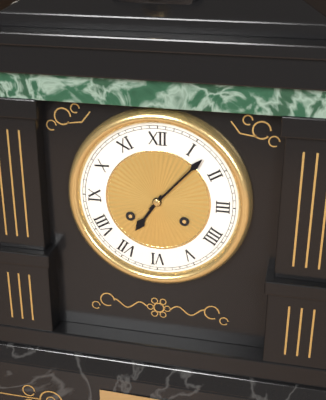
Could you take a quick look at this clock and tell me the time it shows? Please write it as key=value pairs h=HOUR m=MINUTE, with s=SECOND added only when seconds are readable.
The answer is h=7 m=7
